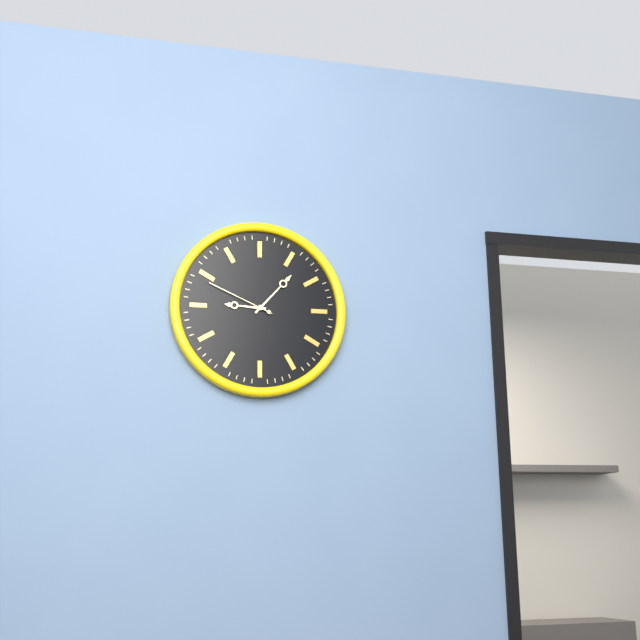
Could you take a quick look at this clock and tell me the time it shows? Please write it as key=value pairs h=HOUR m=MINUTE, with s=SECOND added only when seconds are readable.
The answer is h=9 m=7 s=49
